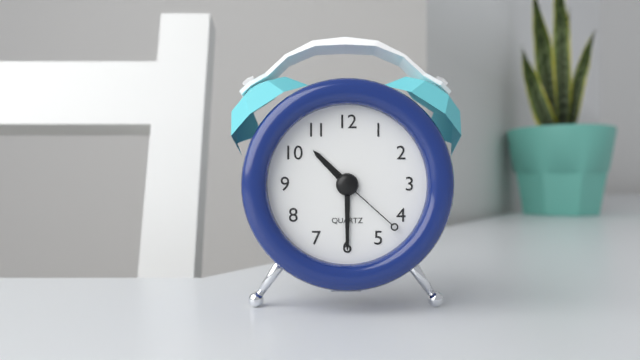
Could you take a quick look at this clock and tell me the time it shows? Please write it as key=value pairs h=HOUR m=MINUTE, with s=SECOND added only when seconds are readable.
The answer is h=10 m=30 s=22
